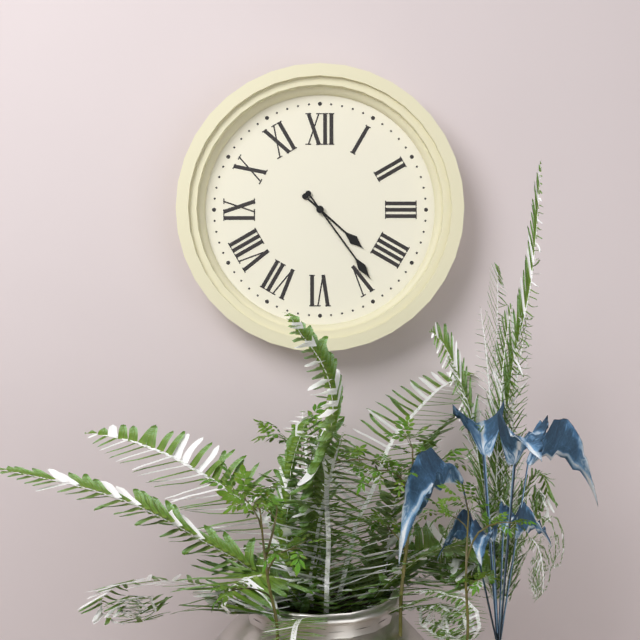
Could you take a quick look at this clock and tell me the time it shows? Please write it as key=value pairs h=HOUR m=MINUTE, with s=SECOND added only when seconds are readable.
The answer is h=4 m=24
